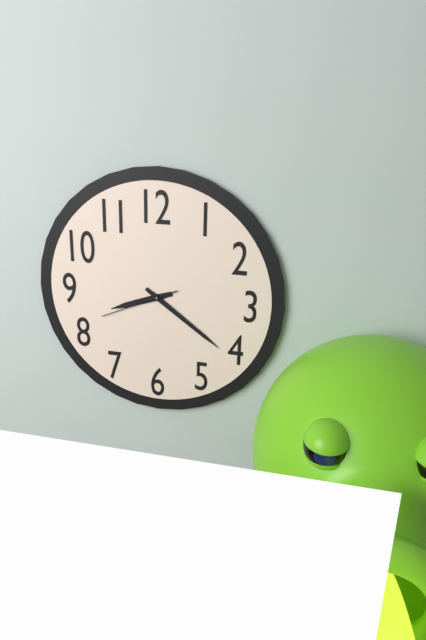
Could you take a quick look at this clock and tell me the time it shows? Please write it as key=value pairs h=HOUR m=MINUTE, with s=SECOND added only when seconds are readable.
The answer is h=8 m=21 s=41
